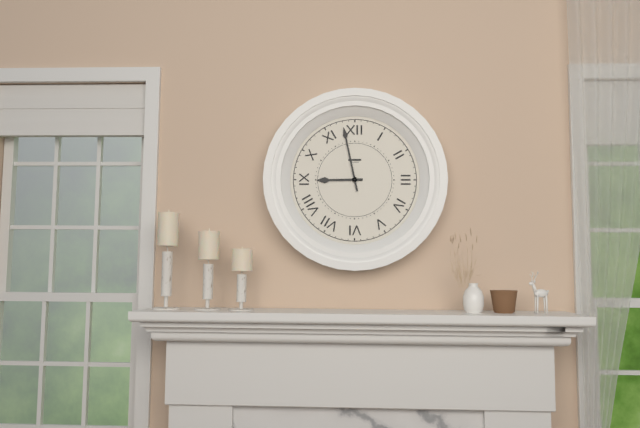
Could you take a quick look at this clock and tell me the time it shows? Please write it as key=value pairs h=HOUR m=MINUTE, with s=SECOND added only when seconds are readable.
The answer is h=8 m=58
